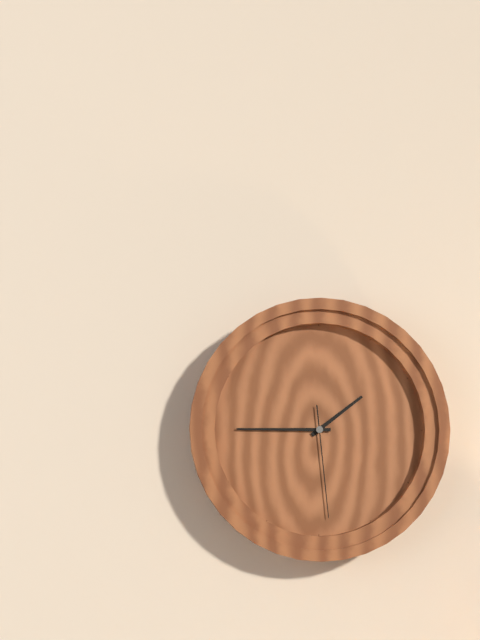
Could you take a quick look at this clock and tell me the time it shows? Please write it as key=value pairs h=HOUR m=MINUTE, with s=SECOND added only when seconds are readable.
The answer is h=1 m=45 s=29
